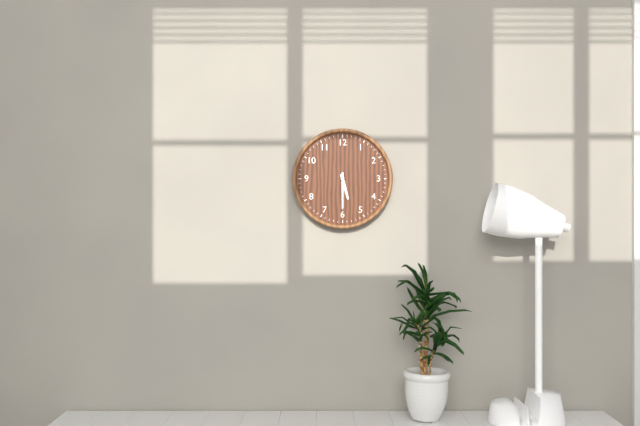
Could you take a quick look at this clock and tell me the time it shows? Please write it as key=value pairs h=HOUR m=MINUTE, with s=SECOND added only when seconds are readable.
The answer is h=5 m=30
